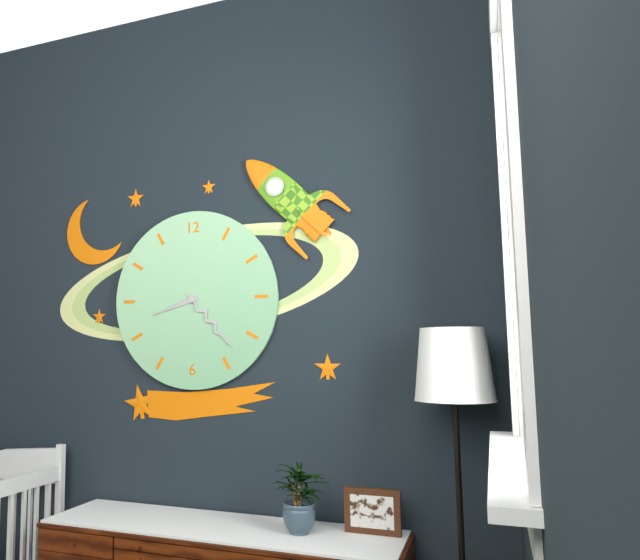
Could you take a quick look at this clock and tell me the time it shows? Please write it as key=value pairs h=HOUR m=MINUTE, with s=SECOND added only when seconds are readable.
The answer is h=8 m=23
